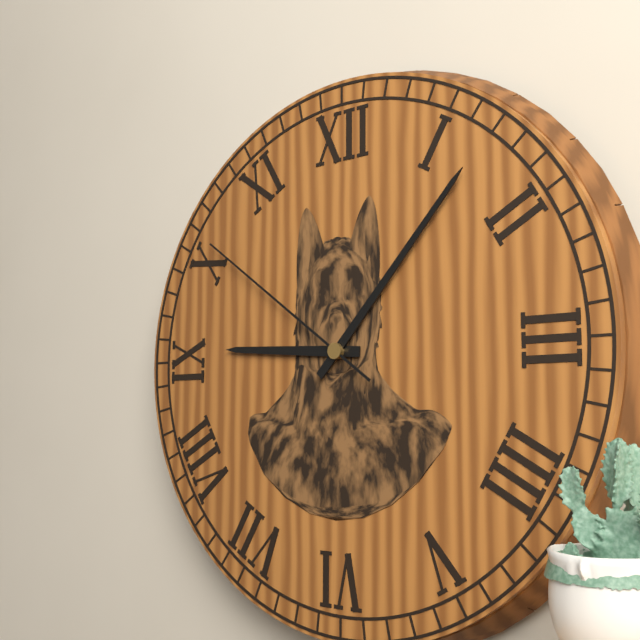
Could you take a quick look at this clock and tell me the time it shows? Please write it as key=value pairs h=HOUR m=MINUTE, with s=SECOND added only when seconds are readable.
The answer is h=9 m=7 s=51
